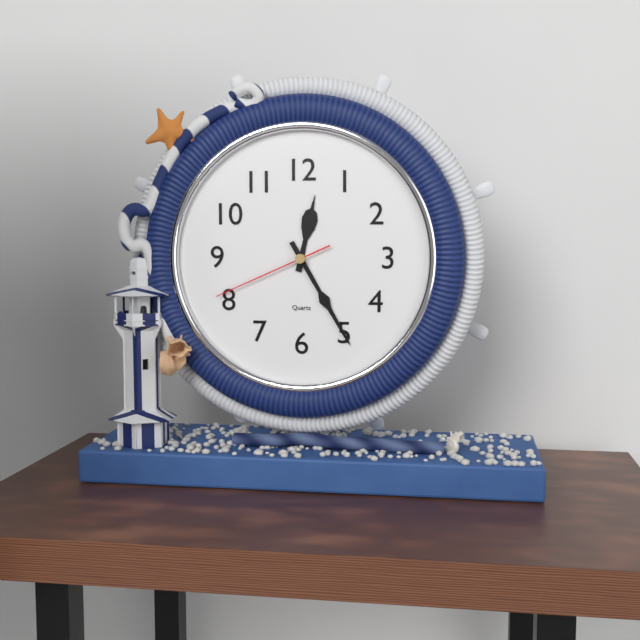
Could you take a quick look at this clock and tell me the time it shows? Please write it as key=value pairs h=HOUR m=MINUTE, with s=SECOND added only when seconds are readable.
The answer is h=12 m=25 s=41
